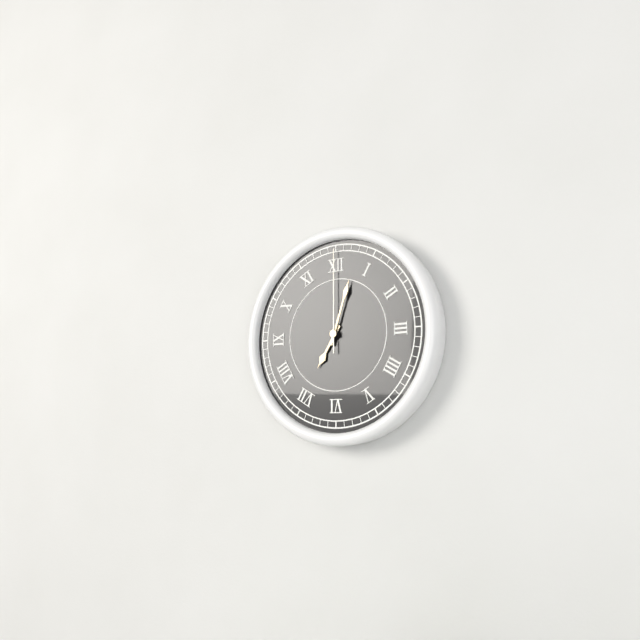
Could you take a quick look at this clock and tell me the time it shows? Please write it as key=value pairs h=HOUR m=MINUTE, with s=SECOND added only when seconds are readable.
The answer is h=7 m=3 s=0
